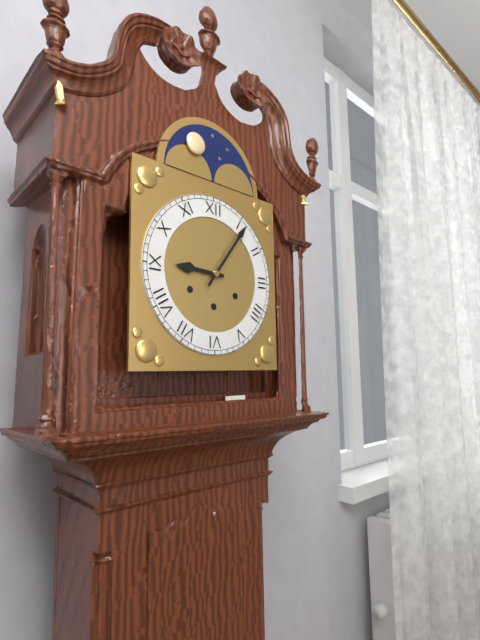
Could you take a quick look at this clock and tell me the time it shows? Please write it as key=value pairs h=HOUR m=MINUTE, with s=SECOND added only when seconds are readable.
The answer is h=9 m=6
